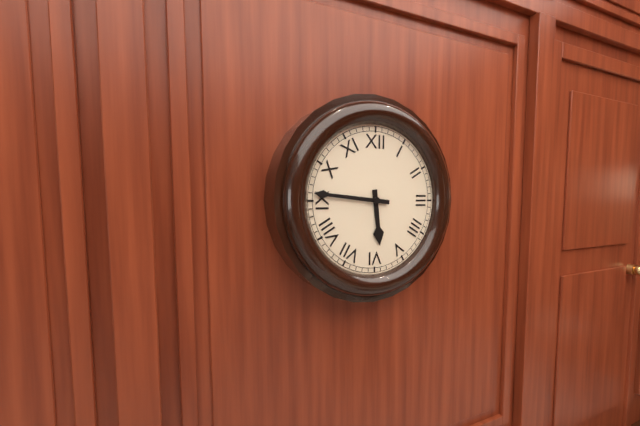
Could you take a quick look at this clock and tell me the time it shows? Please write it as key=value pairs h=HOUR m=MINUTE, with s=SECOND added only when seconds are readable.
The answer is h=5 m=46
